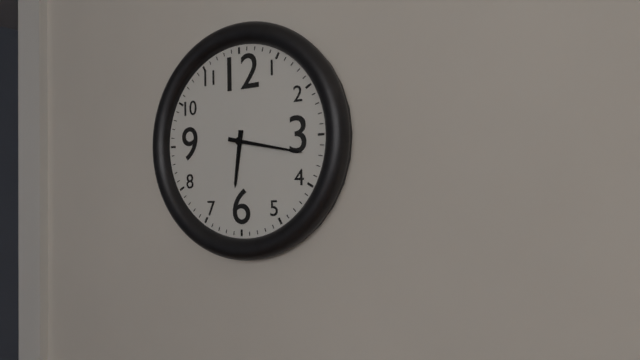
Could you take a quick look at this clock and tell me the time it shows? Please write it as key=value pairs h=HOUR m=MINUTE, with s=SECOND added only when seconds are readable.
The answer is h=6 m=17
